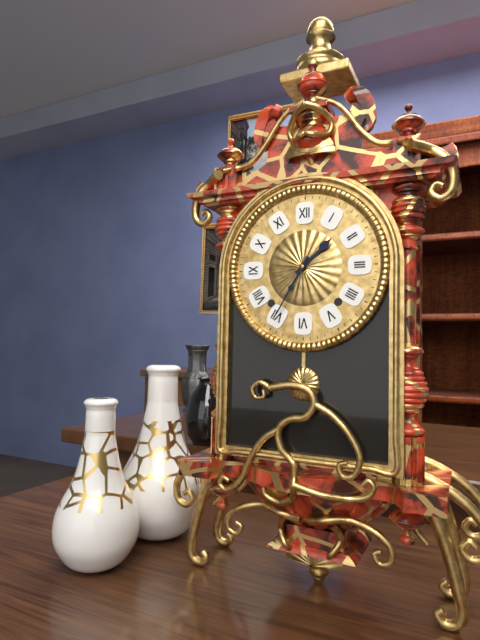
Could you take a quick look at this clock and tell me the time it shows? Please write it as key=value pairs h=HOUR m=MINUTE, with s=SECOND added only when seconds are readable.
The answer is h=1 m=35
